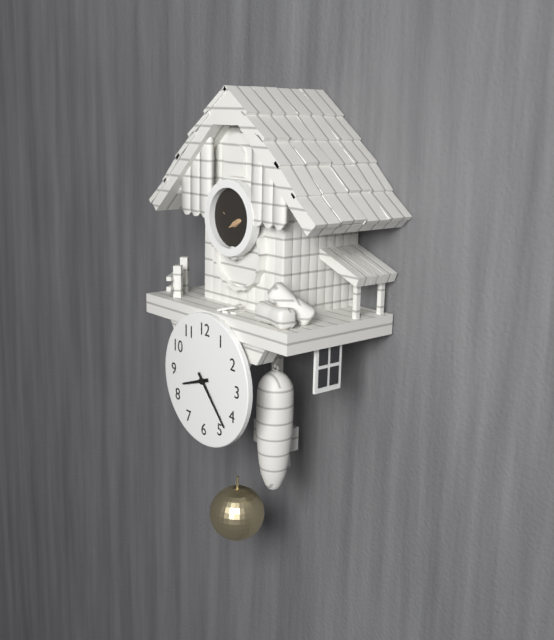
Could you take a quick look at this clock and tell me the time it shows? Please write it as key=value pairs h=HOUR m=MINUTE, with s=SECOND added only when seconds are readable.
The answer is h=8 m=23
